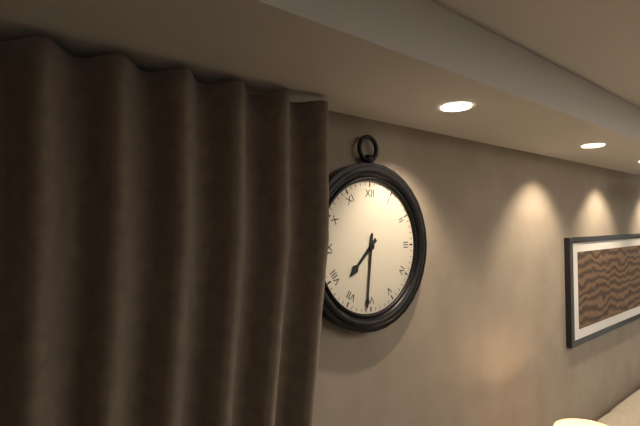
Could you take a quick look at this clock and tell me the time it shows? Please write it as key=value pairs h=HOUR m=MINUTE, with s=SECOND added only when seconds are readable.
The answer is h=7 m=31
